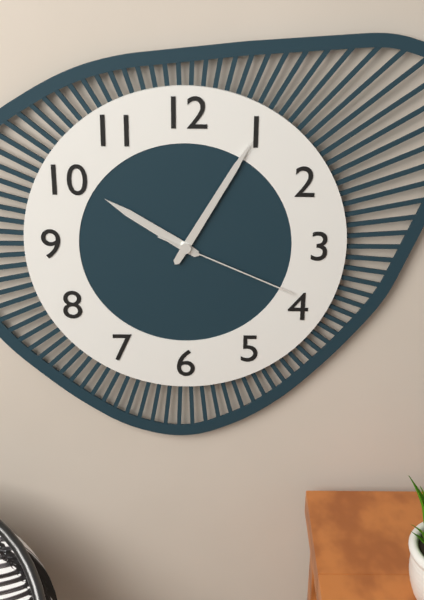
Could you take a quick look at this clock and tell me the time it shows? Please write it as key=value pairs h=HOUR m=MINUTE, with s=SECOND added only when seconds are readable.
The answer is h=10 m=5 s=19
